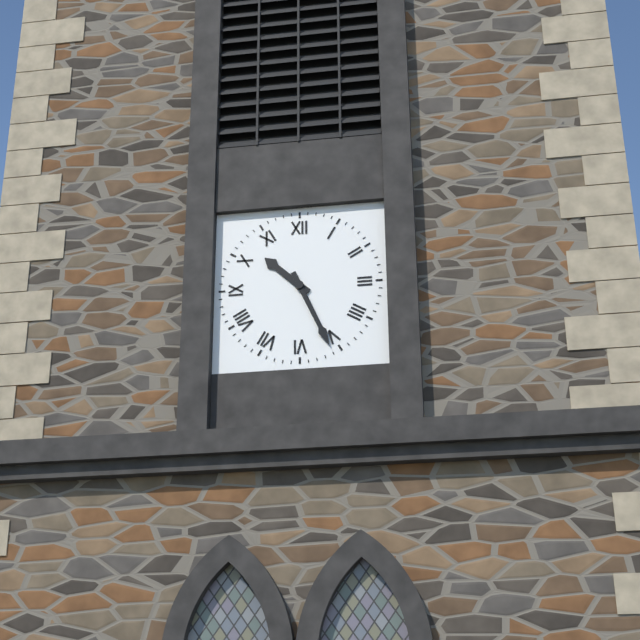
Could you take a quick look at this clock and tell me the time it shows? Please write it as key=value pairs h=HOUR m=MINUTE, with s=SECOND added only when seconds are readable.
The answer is h=10 m=26
